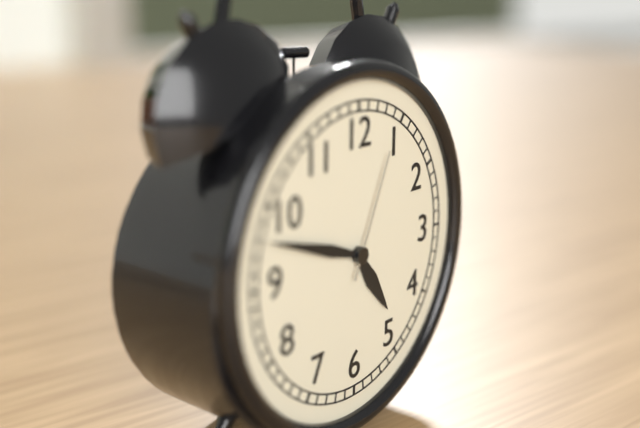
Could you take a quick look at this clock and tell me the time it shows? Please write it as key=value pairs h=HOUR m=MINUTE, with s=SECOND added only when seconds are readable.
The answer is h=4 m=48 s=4
